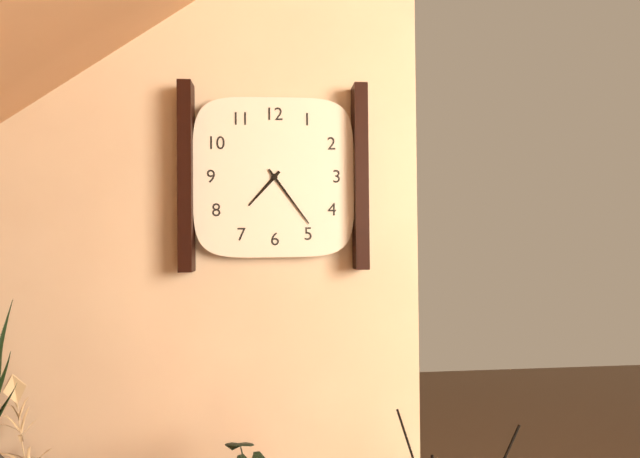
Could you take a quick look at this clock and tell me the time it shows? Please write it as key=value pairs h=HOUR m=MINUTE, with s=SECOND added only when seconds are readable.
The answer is h=7 m=24
